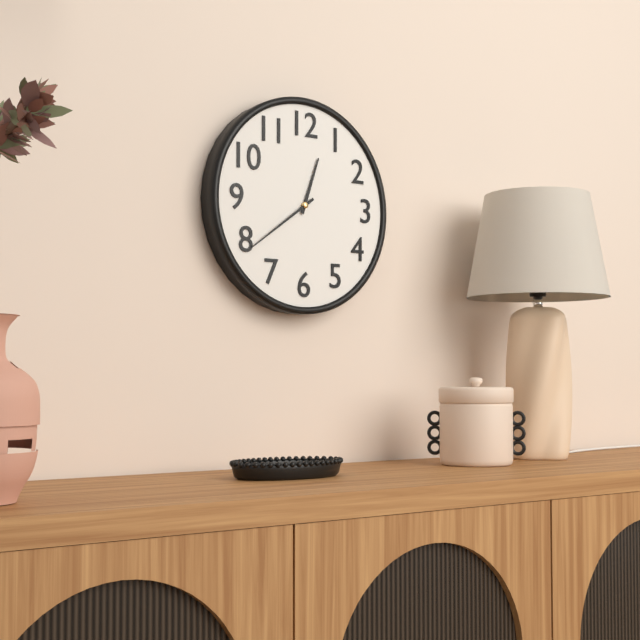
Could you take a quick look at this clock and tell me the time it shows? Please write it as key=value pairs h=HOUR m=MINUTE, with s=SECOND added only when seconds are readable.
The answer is h=12 m=39
